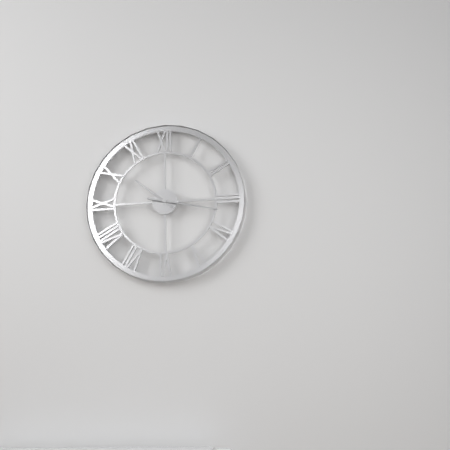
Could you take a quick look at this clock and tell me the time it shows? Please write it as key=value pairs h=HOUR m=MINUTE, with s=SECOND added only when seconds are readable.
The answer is h=10 m=17
